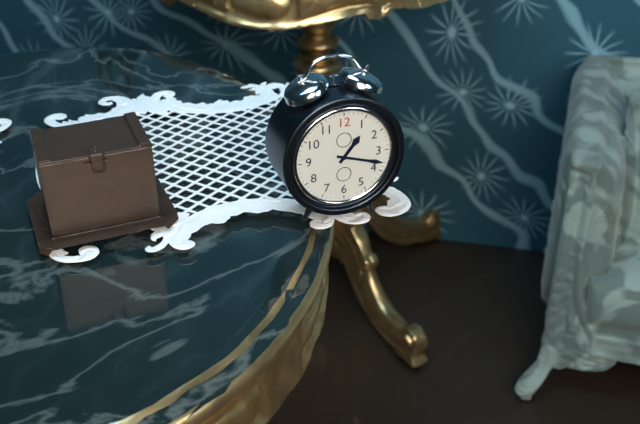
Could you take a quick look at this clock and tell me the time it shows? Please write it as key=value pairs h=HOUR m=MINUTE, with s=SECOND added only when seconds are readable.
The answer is h=1 m=18
